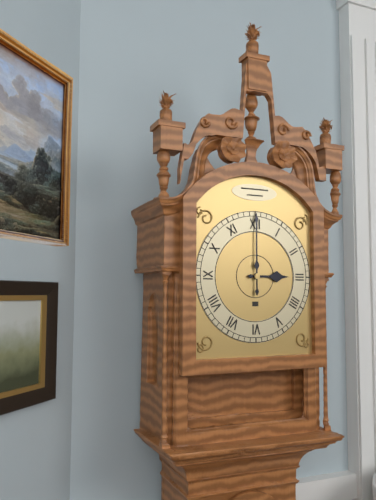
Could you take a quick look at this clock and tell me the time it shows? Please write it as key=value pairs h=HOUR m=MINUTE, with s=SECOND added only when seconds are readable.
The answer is h=3 m=0
